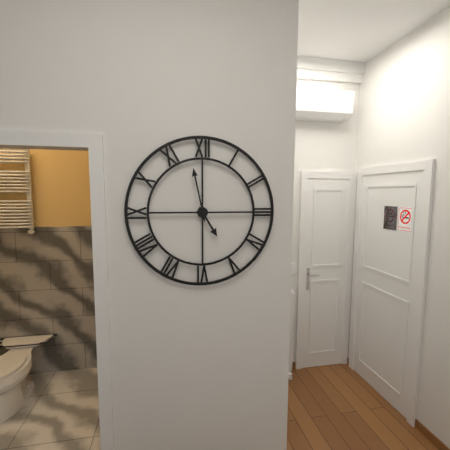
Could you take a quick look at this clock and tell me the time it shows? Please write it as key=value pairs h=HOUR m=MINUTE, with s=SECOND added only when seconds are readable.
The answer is h=4 m=58
